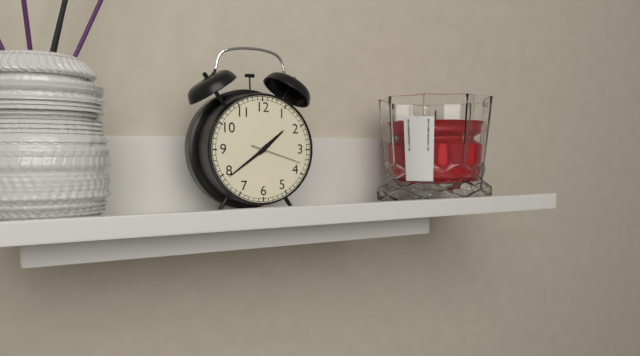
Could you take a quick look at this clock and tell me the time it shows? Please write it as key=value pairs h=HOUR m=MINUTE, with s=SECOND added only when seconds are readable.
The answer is h=1 m=39
